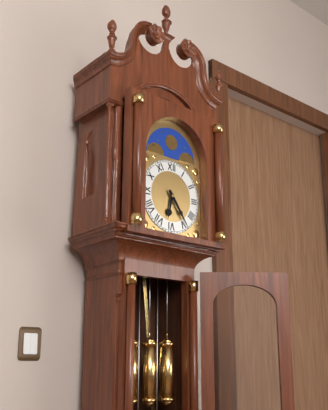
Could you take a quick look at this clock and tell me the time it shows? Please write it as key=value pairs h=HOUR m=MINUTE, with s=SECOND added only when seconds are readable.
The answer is h=6 m=24
